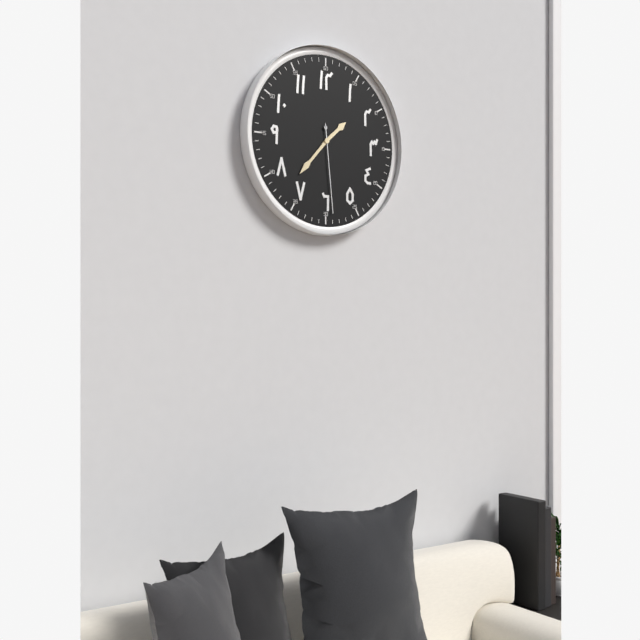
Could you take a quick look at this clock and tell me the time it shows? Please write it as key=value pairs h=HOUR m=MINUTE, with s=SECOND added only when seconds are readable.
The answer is h=1 m=37 s=29
